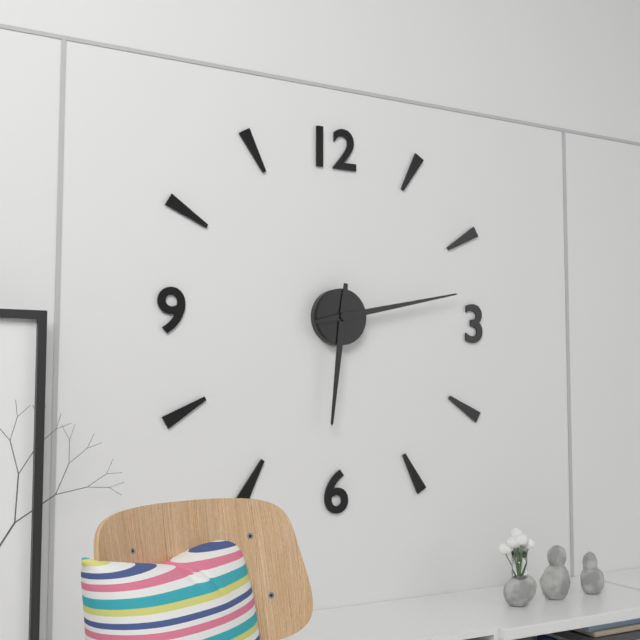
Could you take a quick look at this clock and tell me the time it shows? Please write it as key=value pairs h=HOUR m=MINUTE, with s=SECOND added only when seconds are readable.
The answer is h=6 m=13
